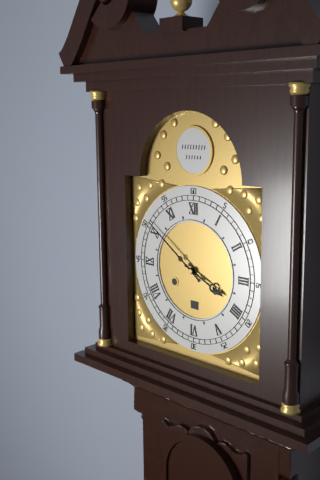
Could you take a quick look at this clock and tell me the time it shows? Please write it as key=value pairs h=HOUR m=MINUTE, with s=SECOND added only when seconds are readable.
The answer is h=3 m=51
